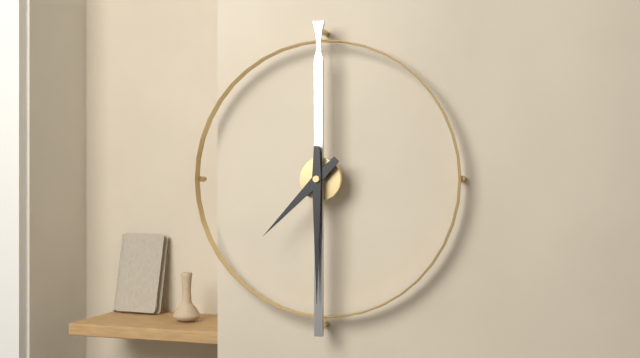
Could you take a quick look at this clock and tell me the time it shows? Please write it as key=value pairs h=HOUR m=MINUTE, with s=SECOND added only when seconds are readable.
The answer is h=7 m=30
